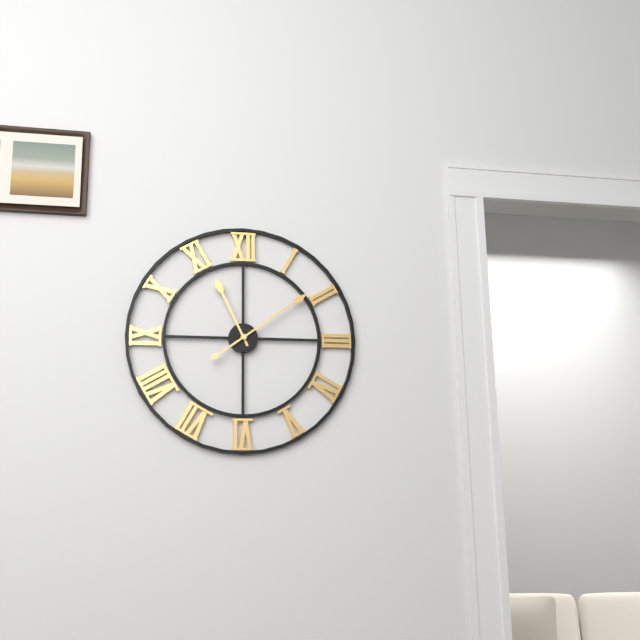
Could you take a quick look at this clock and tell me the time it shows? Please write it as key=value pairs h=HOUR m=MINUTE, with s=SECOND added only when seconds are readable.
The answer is h=11 m=9
